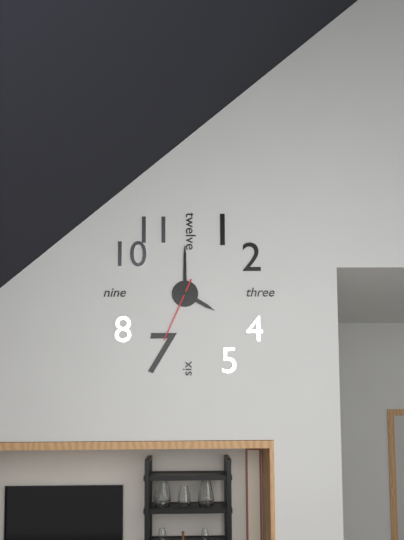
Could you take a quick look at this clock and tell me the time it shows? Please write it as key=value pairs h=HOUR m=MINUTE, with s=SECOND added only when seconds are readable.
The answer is h=4 m=0 s=34
